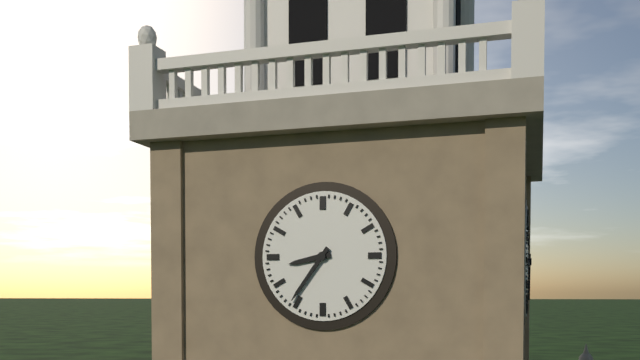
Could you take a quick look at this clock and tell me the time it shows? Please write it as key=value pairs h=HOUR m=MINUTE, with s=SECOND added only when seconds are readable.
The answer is h=8 m=36
